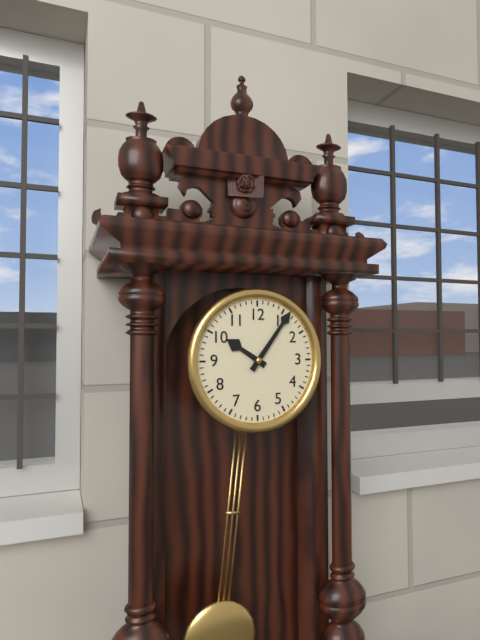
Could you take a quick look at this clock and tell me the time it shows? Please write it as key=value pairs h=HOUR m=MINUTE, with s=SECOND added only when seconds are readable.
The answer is h=10 m=6
